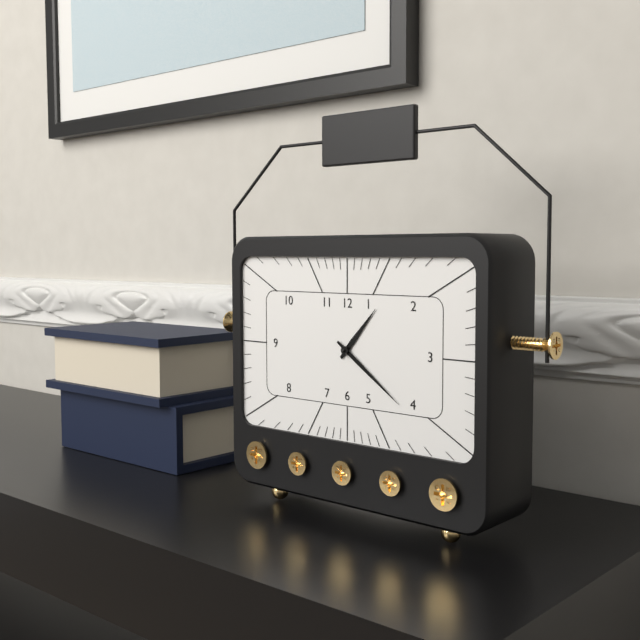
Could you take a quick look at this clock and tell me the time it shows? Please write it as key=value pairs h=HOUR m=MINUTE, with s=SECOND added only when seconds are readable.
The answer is h=1 m=21
